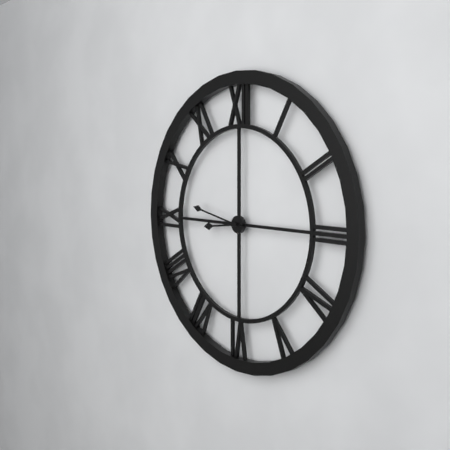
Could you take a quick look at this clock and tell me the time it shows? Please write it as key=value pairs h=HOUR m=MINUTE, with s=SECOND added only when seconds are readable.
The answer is h=8 m=47
